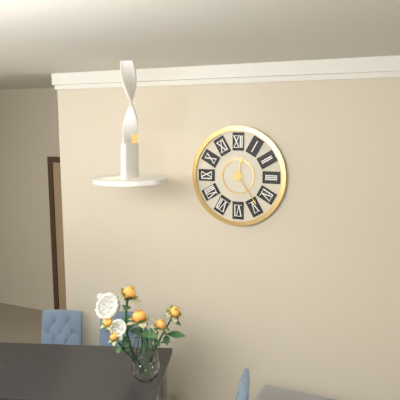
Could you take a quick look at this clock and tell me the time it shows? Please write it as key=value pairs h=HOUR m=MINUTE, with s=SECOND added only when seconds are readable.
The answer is h=12 m=24
